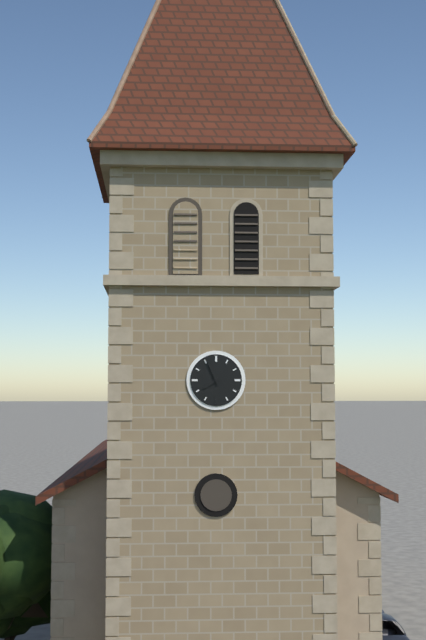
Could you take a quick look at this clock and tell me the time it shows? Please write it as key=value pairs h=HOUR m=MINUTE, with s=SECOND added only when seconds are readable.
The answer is h=7 m=56
